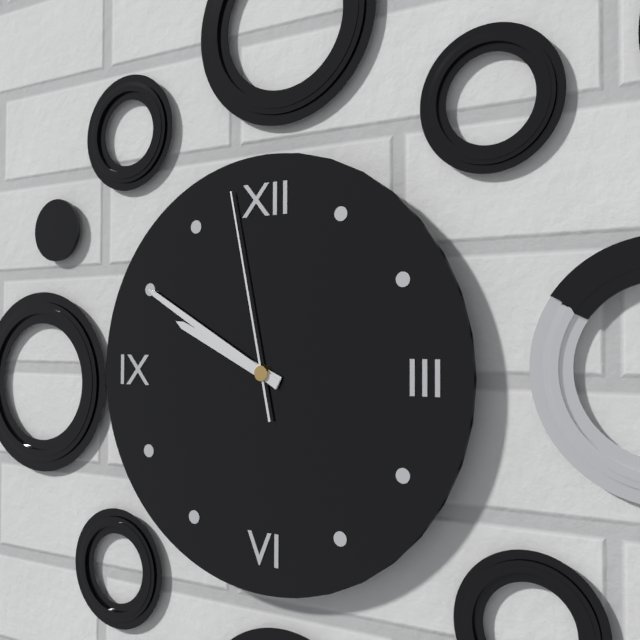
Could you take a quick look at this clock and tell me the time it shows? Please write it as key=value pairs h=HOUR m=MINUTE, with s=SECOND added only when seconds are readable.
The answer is h=9 m=50 s=58
